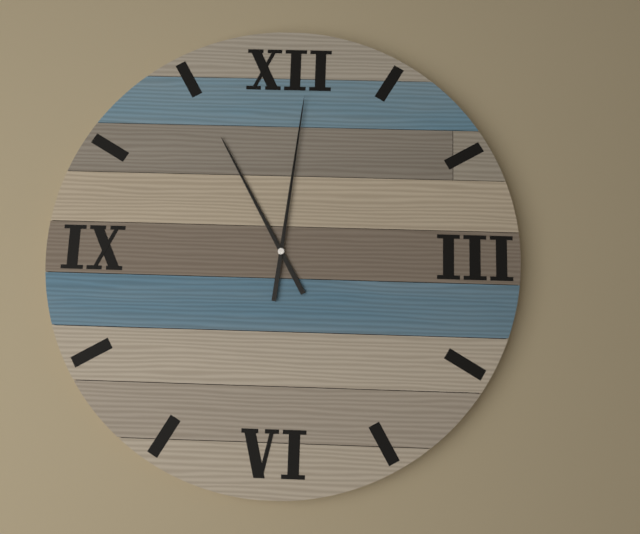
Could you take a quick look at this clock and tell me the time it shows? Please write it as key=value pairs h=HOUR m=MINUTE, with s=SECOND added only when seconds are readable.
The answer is h=11 m=1
